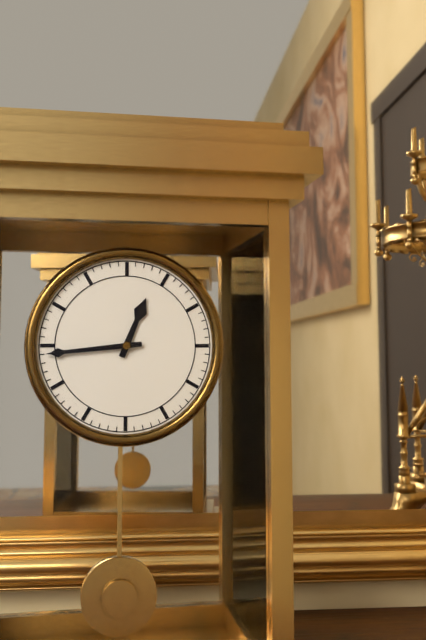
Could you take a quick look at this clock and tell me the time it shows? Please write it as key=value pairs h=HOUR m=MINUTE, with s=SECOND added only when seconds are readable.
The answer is h=12 m=44
